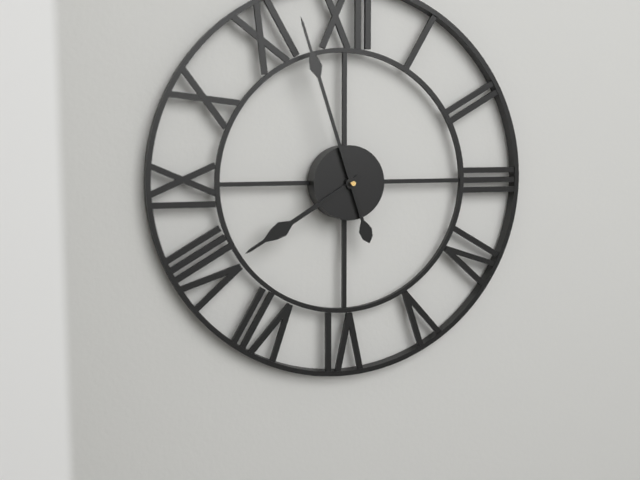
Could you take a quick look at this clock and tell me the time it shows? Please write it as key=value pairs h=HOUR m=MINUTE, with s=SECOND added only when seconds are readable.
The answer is h=7 m=57
